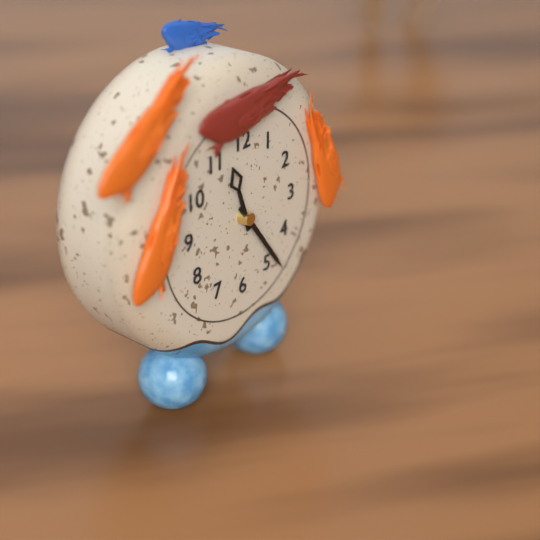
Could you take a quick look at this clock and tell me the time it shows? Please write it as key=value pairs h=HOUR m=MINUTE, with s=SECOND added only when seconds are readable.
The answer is h=11 m=24
